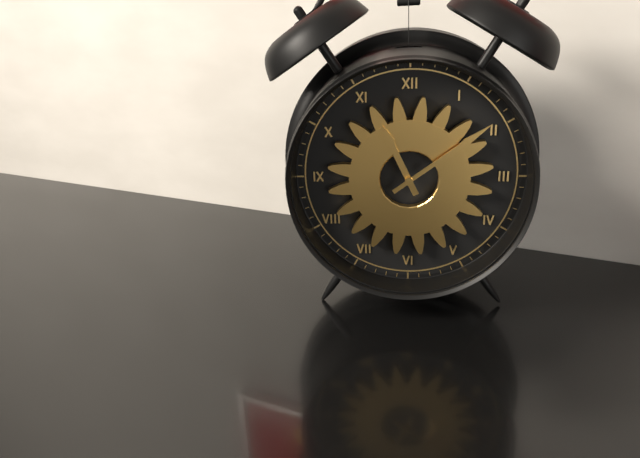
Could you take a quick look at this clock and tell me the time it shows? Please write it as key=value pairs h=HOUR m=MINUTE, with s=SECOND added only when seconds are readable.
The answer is h=11 m=9
